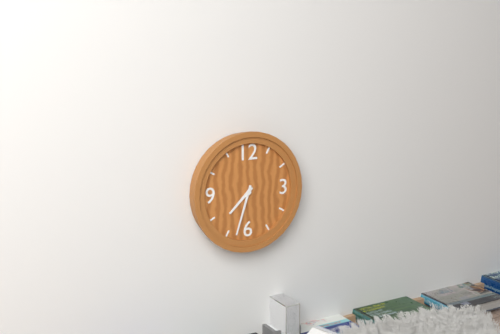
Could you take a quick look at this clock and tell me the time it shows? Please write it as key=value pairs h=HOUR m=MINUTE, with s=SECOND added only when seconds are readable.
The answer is h=7 m=33
